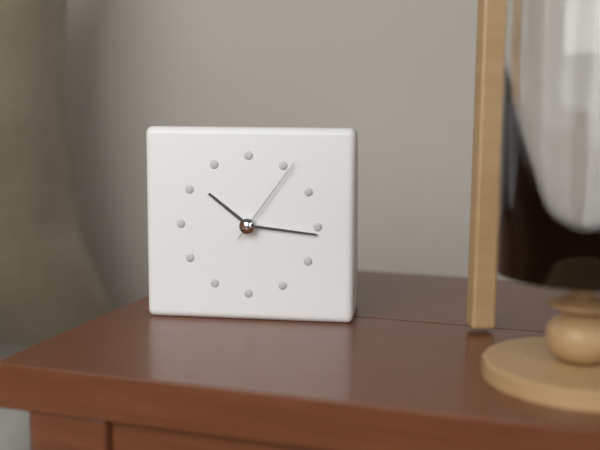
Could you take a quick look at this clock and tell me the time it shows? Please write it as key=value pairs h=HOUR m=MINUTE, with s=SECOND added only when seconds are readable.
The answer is h=10 m=16 s=6
